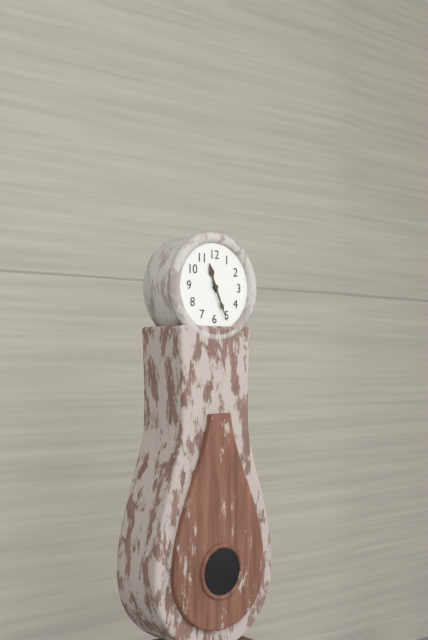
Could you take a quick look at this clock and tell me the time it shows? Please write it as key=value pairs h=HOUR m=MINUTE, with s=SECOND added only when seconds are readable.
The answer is h=11 m=26
